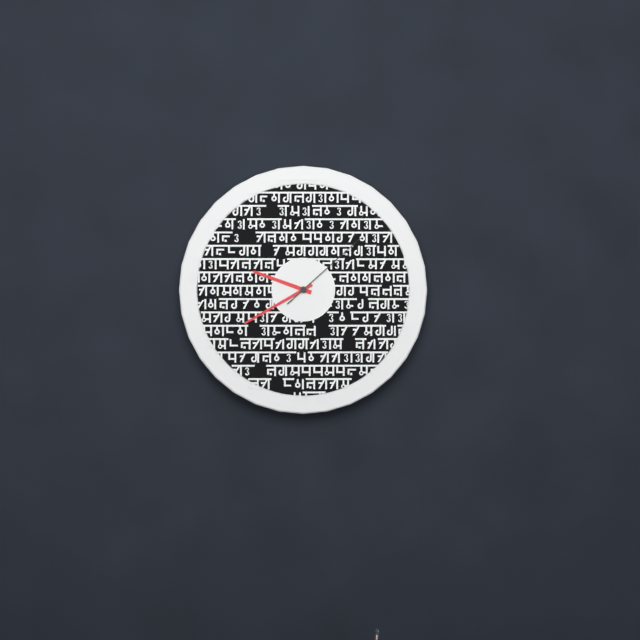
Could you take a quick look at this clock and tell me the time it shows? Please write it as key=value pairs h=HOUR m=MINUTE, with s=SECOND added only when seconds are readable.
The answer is h=9 m=40 s=8
